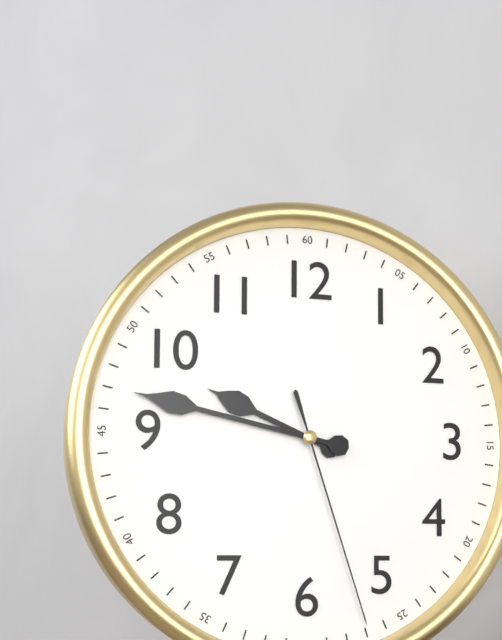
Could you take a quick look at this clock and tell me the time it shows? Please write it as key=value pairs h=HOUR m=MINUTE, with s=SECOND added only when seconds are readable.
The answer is h=9 m=47 s=27
